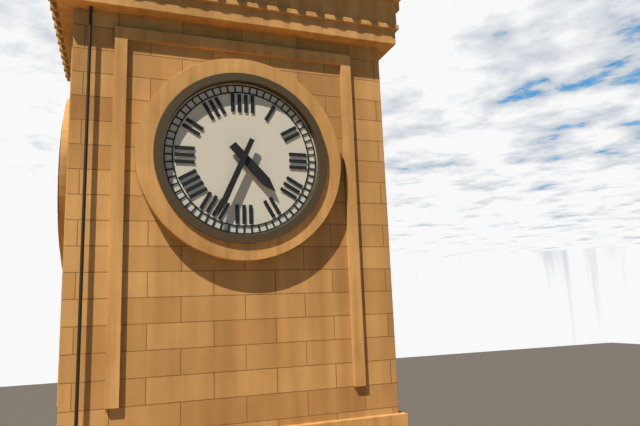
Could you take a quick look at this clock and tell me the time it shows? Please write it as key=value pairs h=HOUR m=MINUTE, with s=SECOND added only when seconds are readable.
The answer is h=4 m=34
